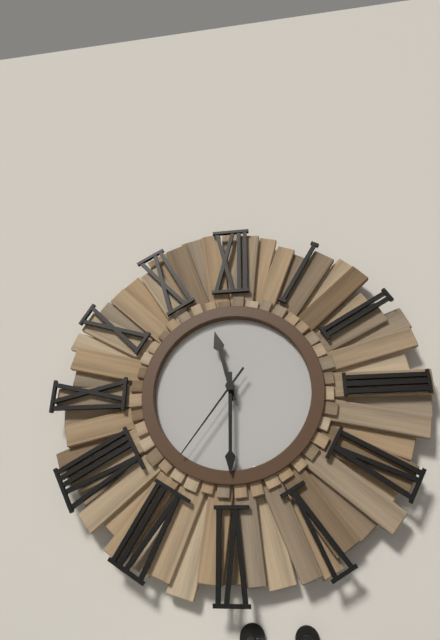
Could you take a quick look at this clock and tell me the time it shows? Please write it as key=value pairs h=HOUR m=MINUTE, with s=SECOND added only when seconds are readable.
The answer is h=11 m=30 s=36
